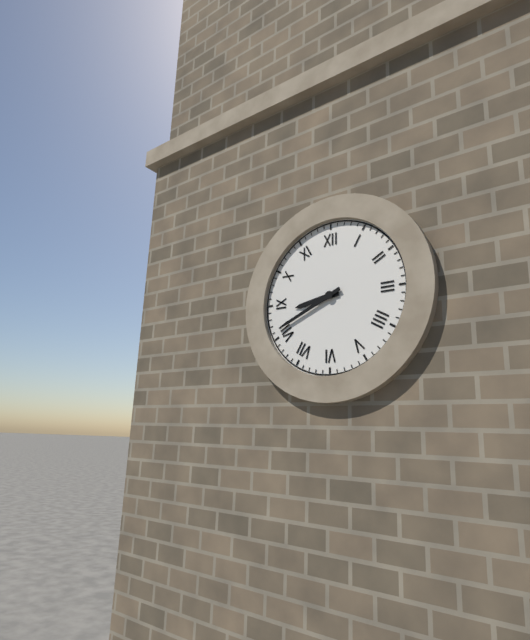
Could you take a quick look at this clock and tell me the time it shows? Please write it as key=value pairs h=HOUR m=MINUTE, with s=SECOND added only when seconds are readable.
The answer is h=8 m=41
